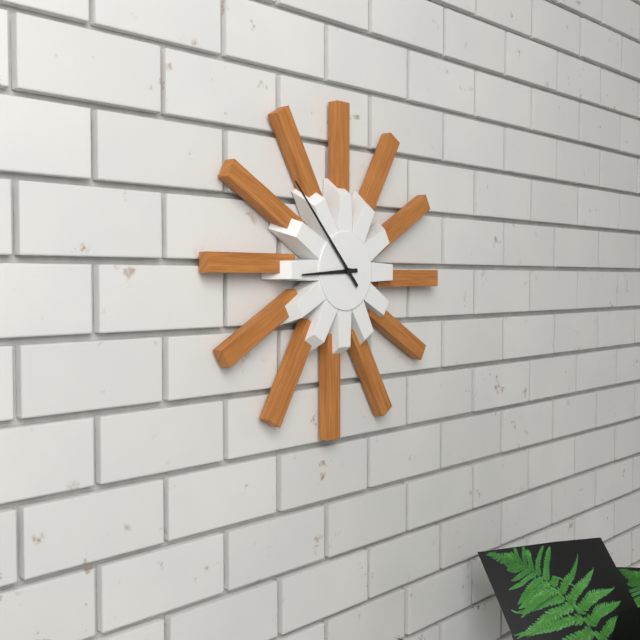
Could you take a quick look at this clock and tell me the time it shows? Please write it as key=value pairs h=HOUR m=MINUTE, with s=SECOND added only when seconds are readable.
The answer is h=8 m=53
